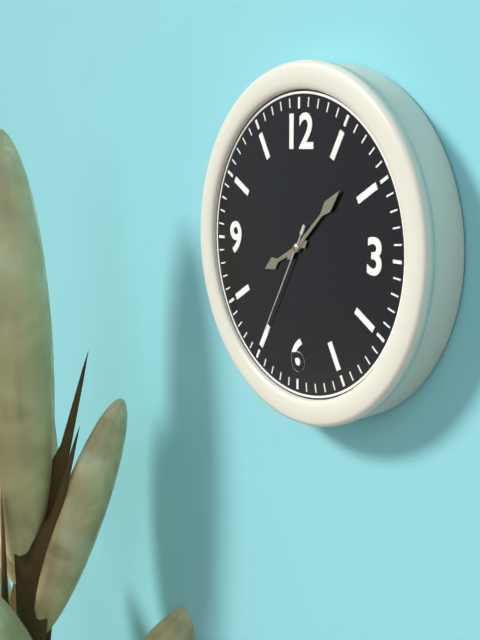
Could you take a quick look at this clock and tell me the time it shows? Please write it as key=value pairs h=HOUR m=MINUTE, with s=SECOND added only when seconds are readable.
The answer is h=8 m=8 s=35
